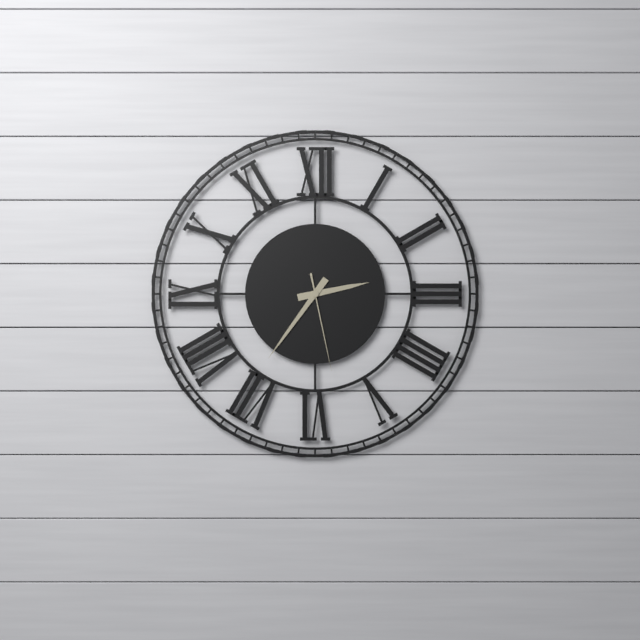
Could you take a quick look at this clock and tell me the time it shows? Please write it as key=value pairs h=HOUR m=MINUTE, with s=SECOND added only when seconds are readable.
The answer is h=2 m=36 s=28
